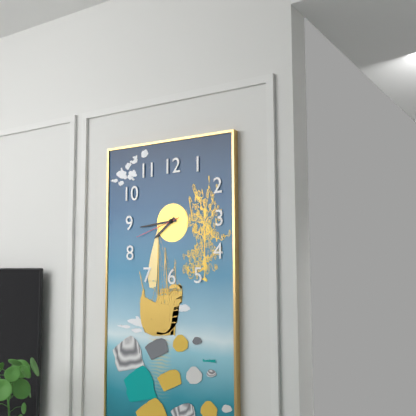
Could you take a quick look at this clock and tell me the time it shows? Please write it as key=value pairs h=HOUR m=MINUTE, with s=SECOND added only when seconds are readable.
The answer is h=7 m=44
